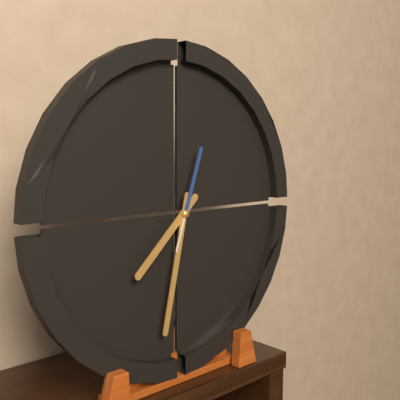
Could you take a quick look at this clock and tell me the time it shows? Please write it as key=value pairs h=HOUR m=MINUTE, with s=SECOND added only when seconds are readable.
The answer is h=7 m=32 s=3
